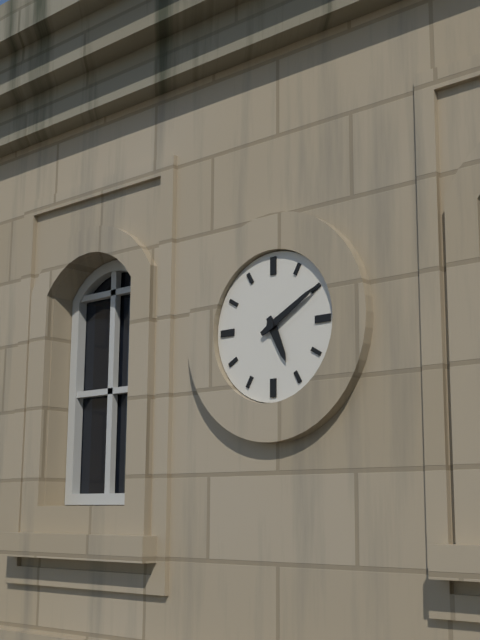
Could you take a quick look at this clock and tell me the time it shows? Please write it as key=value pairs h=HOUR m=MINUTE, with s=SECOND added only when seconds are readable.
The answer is h=5 m=10
